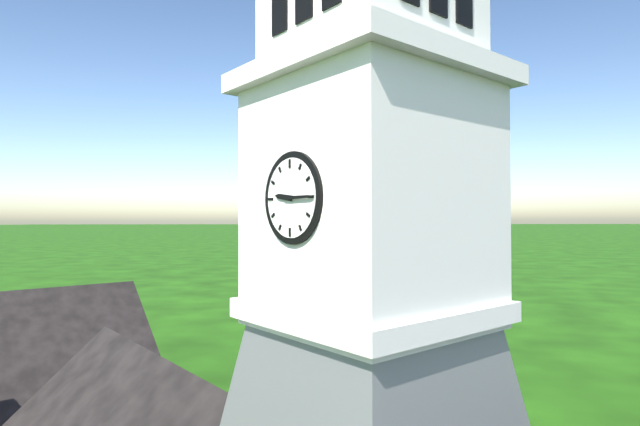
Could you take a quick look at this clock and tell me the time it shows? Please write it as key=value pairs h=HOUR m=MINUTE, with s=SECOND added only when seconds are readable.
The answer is h=9 m=15
